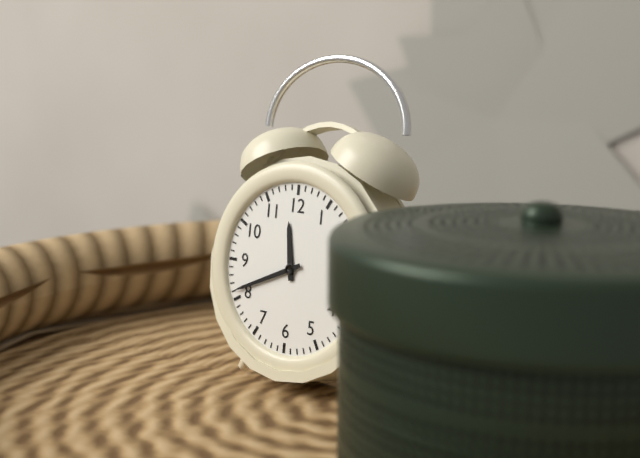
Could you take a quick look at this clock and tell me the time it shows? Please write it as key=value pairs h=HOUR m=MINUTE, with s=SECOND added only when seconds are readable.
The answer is h=11 m=41
